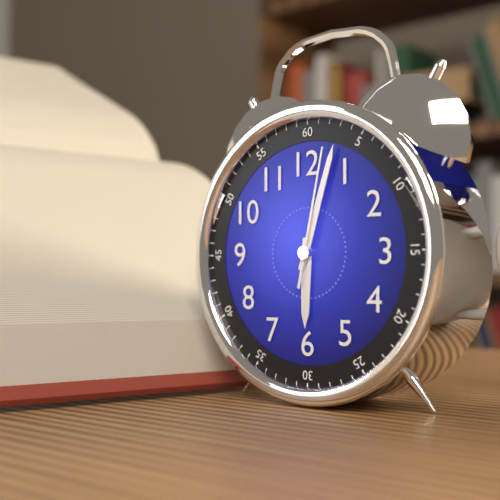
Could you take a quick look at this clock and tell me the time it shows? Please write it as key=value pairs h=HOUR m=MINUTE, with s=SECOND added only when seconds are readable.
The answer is h=6 m=3 s=2
